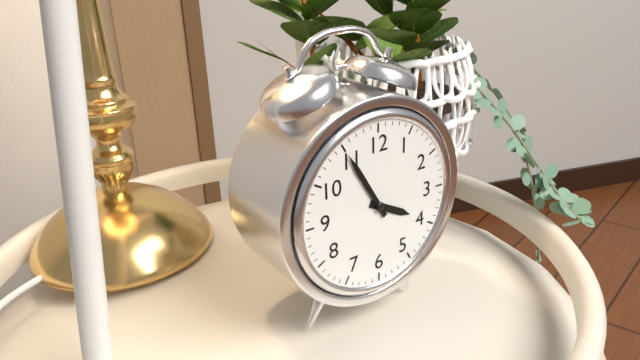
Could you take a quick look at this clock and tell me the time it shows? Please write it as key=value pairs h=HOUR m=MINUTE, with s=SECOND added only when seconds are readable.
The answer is h=3 m=55
